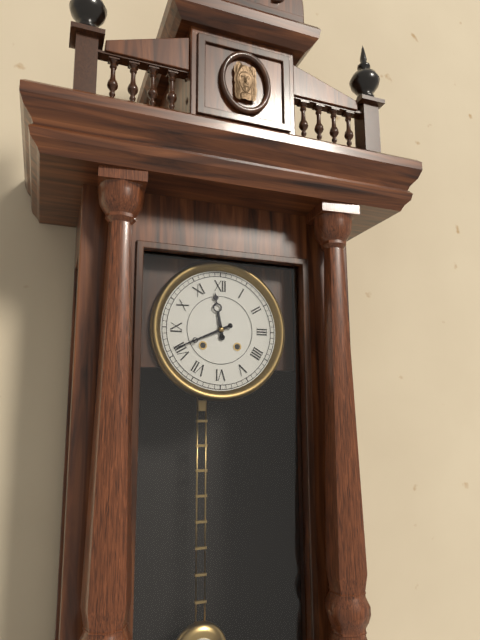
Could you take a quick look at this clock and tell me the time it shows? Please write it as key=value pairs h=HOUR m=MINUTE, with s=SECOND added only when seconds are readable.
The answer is h=11 m=41
